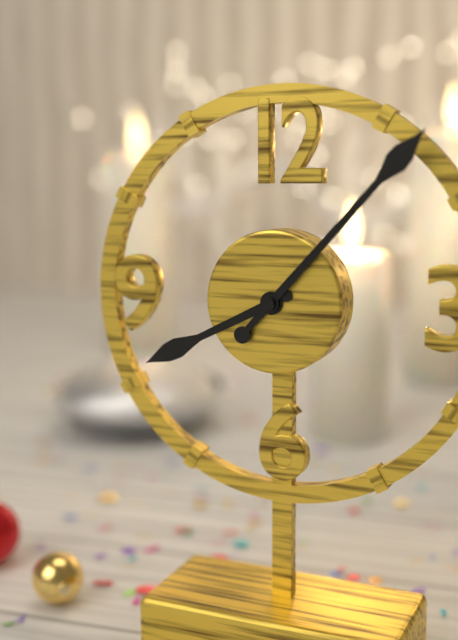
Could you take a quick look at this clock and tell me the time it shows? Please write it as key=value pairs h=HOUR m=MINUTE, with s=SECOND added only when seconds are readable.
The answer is h=8 m=7
